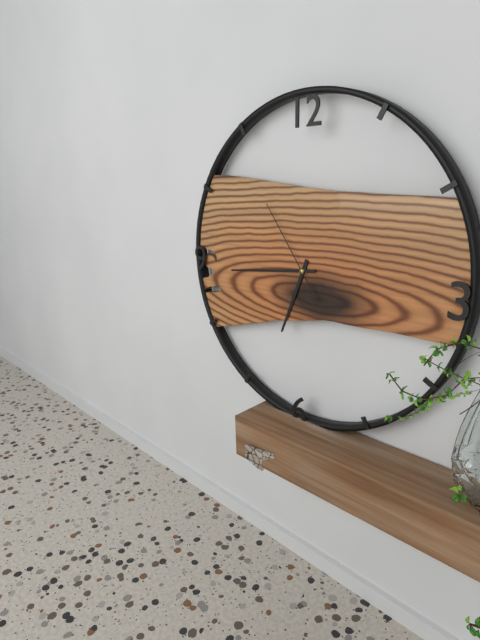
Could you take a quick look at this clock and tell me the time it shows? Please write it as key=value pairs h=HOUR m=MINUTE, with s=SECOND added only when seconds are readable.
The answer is h=6 m=44 s=54
